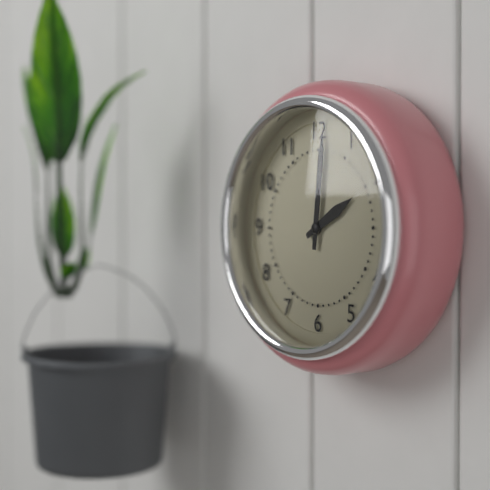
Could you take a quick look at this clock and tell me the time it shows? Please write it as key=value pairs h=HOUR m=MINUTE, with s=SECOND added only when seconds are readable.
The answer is h=2 m=1
